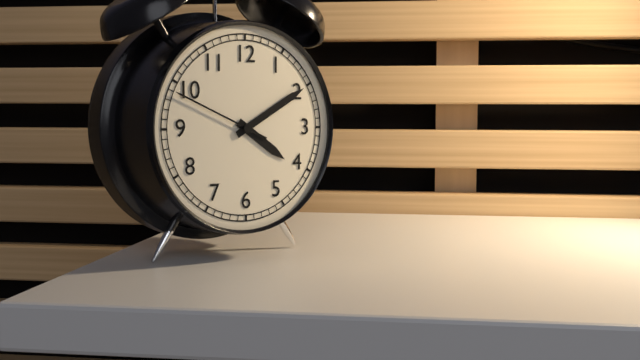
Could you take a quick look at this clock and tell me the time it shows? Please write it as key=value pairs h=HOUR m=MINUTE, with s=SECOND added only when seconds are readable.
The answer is h=4 m=10 s=49
